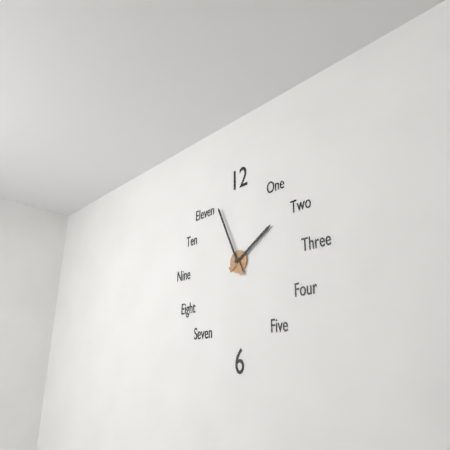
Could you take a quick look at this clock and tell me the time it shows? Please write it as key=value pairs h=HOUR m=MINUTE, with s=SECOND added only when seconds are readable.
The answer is h=1 m=56
